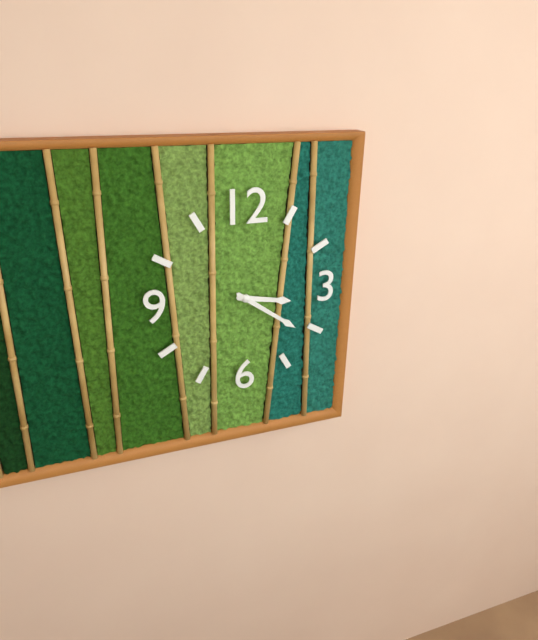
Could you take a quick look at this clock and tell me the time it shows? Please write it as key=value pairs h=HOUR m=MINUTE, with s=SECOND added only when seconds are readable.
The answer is h=3 m=21
